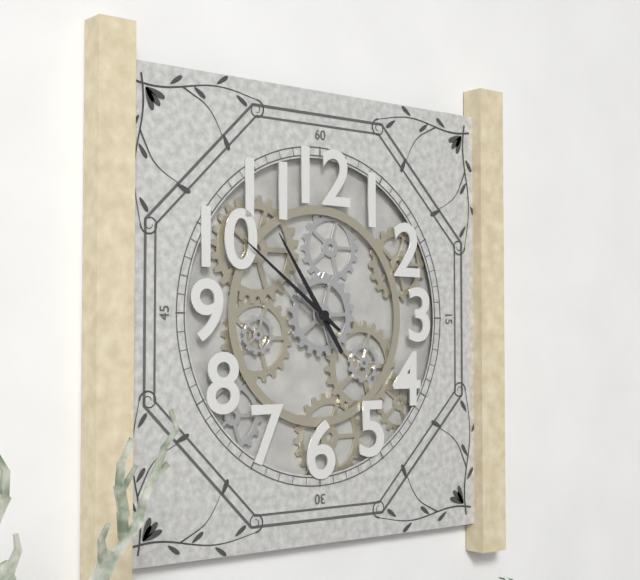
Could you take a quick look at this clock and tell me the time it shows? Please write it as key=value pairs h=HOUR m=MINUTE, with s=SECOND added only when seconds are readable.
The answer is h=10 m=51
